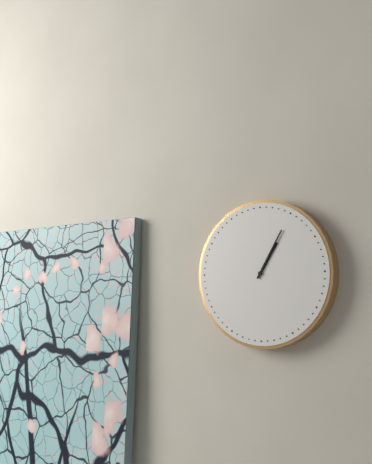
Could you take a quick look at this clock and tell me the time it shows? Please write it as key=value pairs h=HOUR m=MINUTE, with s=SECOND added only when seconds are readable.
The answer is h=1 m=5
